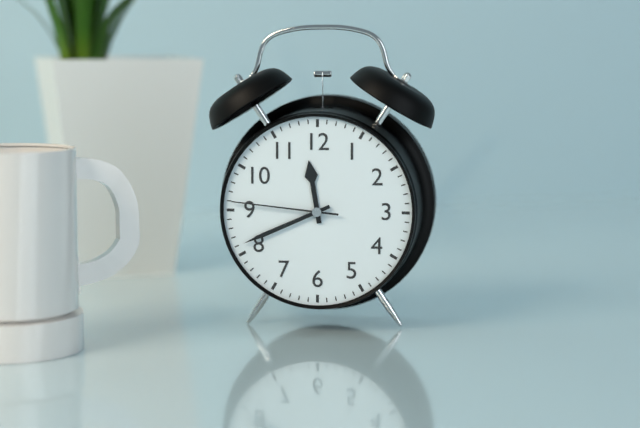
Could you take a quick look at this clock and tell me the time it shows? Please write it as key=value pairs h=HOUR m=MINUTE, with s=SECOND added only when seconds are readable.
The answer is h=11 m=41 s=46
